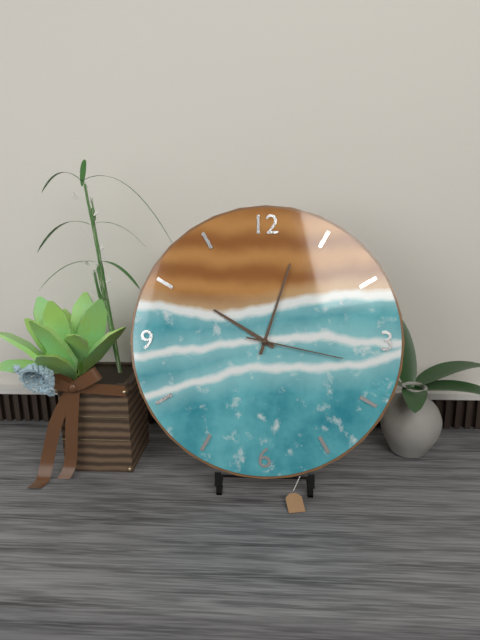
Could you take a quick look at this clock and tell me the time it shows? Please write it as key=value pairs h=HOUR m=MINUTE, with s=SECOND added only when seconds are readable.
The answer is h=10 m=3 s=17
